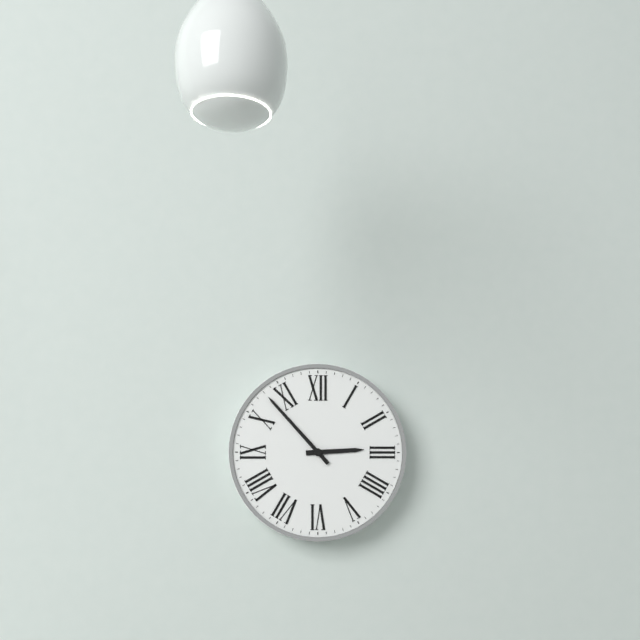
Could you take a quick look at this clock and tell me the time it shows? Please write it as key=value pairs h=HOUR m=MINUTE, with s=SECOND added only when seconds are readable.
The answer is h=2 m=53
